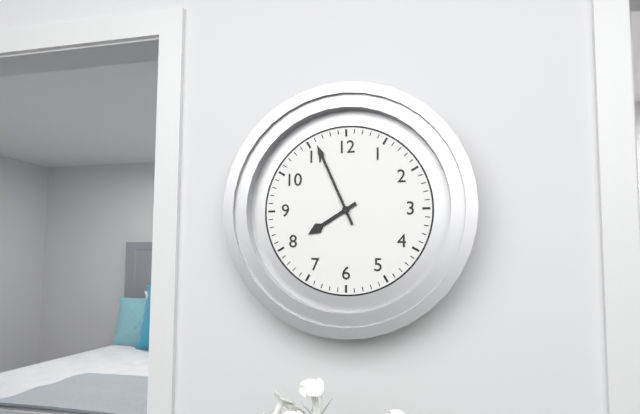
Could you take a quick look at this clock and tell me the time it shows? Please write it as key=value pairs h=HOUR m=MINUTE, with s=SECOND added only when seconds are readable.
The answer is h=7 m=56
